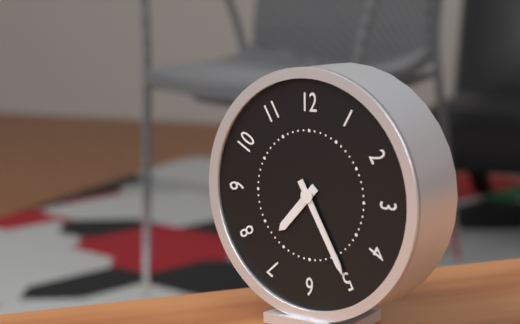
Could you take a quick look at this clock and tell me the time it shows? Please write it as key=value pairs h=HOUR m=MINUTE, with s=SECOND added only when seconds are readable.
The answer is h=7 m=25
